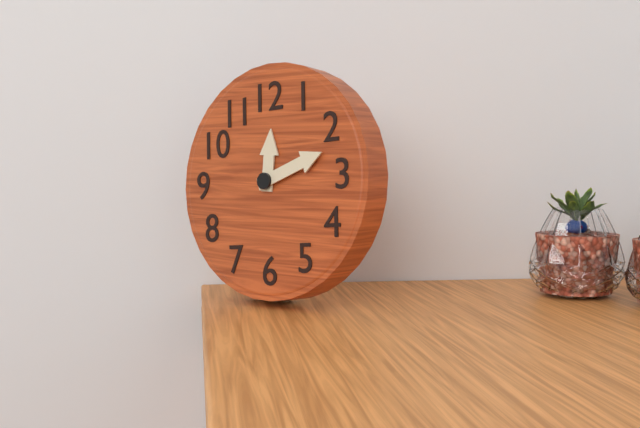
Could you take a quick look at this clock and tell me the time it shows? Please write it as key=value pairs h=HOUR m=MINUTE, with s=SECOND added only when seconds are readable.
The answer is h=12 m=12
